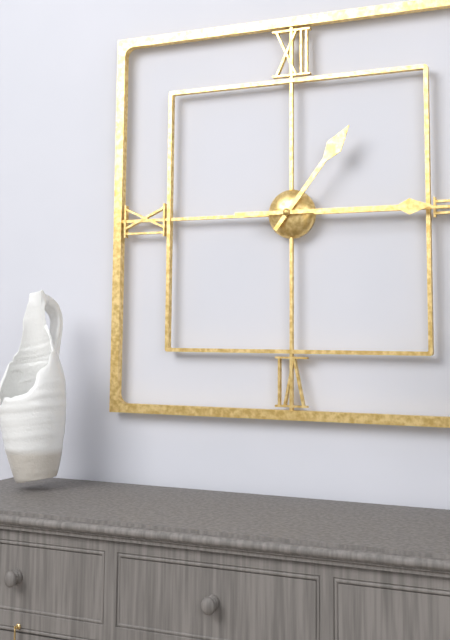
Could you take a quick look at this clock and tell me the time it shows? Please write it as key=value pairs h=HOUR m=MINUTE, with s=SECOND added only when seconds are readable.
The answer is h=1 m=15
